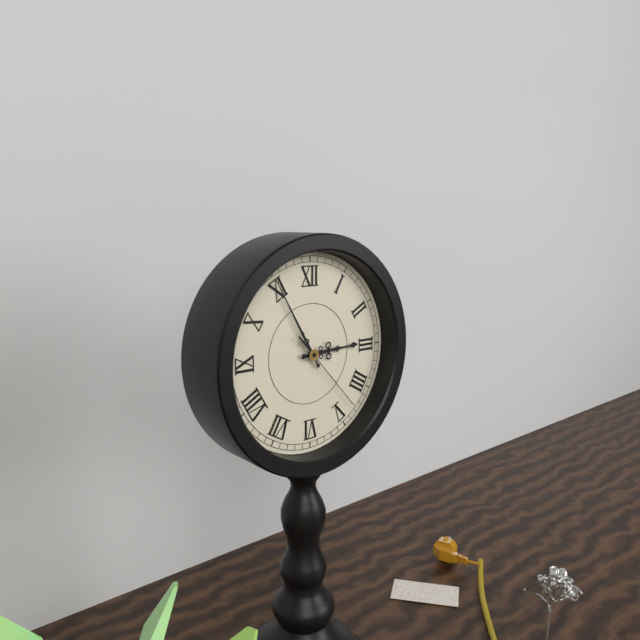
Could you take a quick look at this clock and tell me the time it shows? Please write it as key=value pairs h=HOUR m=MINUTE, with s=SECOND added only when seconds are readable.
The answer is h=2 m=55 s=23
